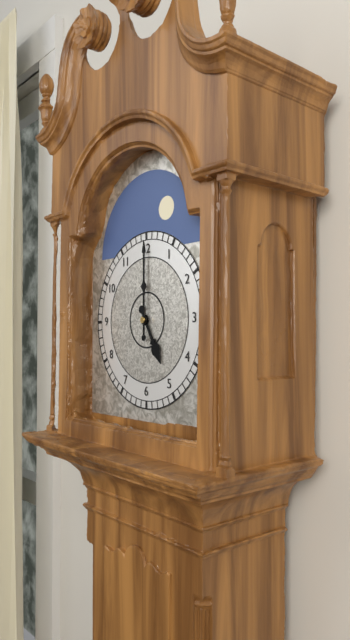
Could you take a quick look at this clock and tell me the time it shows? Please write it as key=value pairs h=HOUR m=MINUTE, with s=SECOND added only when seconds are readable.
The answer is h=5 m=0
